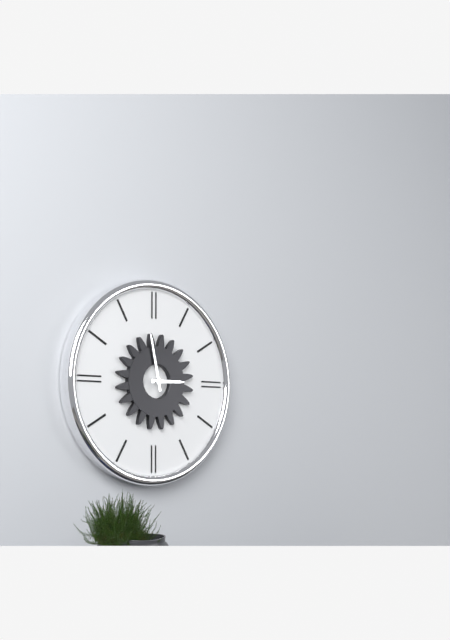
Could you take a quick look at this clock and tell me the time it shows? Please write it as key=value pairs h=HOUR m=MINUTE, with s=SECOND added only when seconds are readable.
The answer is h=2 m=58
